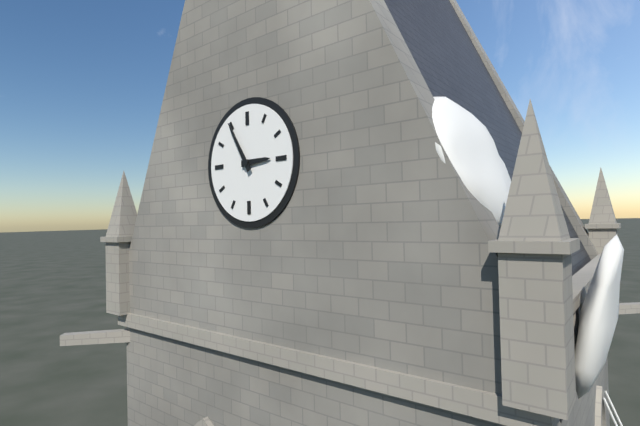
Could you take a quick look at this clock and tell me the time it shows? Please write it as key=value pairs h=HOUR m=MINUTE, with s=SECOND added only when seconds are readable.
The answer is h=2 m=55
